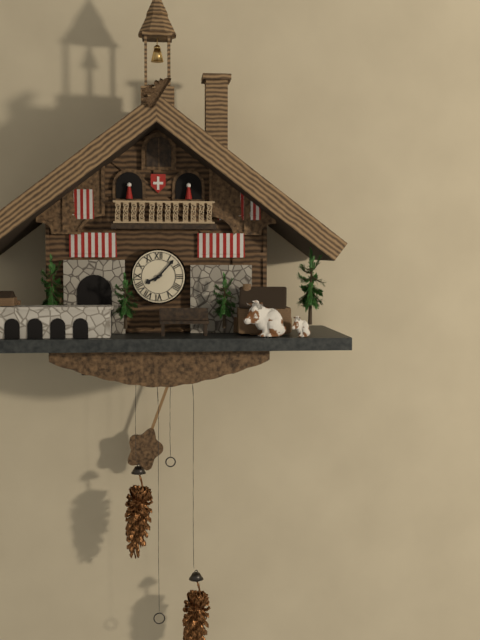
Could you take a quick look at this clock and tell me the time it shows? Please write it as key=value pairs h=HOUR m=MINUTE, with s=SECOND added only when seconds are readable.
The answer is h=8 m=7
